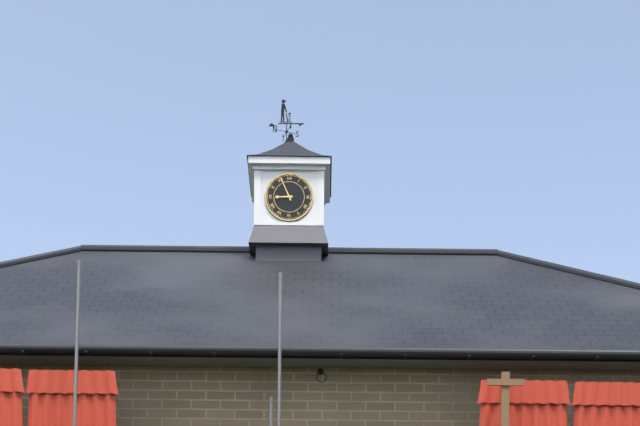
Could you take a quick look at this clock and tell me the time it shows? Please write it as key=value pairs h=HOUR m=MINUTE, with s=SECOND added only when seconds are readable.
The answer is h=8 m=56
